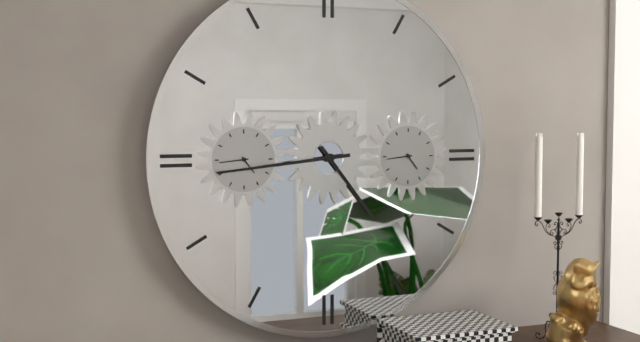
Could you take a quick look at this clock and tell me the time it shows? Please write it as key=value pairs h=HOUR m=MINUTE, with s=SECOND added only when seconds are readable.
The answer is h=4 m=44
